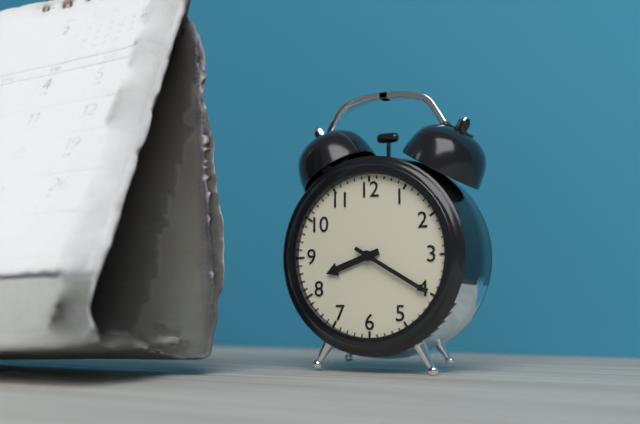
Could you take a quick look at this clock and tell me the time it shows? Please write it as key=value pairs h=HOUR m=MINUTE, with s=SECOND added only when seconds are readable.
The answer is h=8 m=20
